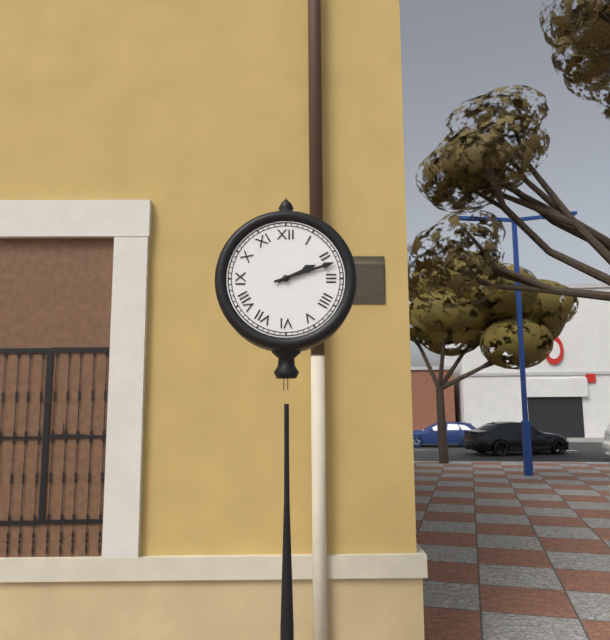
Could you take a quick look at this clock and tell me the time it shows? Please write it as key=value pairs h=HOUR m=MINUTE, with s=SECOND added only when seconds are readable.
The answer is h=2 m=12
